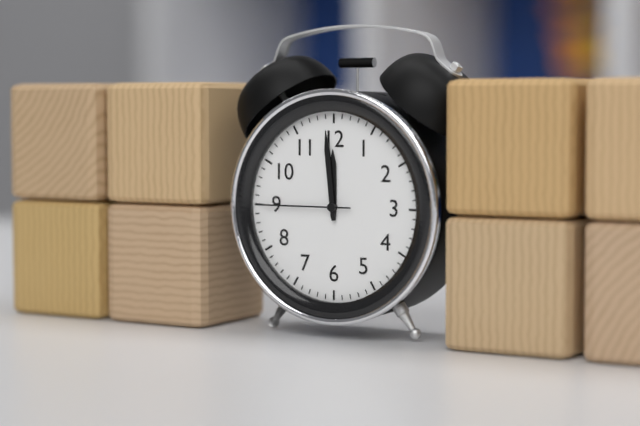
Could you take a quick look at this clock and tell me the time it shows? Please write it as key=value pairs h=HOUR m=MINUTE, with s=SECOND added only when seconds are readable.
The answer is h=11 m=59 s=45
